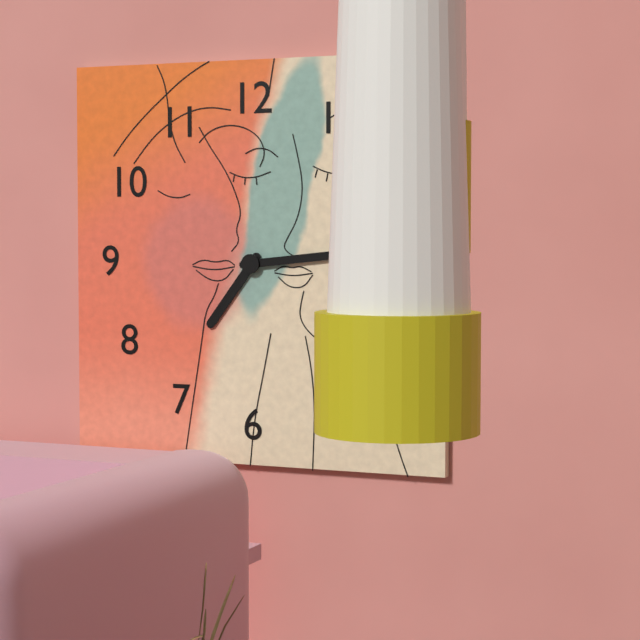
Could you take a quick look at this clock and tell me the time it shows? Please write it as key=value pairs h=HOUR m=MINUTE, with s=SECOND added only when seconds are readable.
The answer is h=7 m=14
